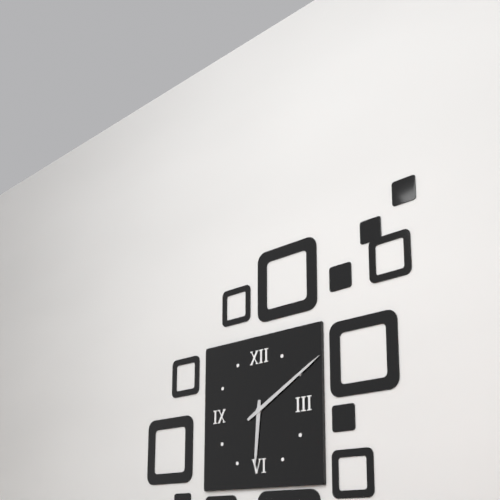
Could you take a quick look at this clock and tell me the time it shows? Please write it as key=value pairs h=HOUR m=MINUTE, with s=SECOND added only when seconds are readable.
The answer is h=6 m=10
